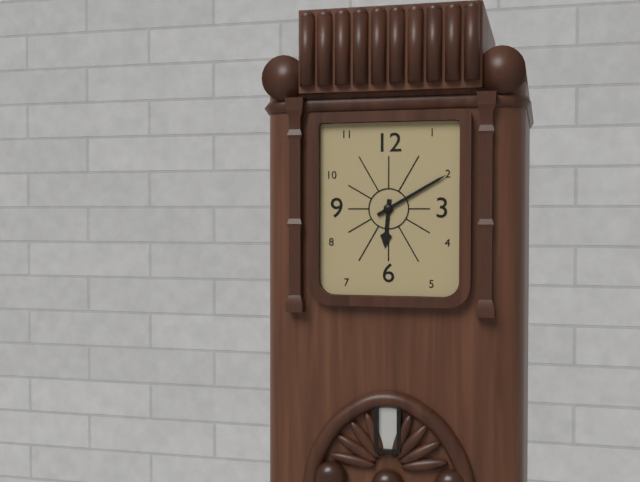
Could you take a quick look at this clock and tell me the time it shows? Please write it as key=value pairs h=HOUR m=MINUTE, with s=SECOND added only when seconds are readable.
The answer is h=6 m=10
